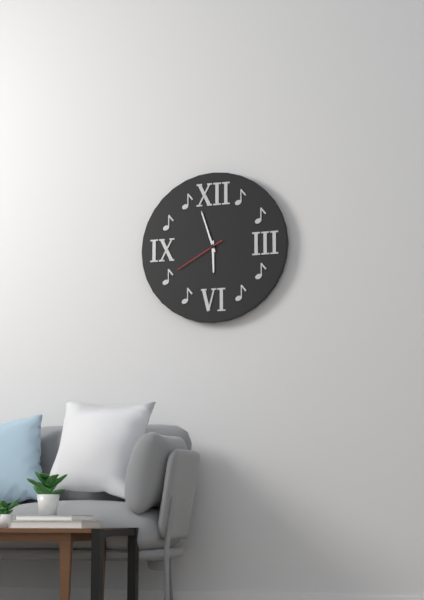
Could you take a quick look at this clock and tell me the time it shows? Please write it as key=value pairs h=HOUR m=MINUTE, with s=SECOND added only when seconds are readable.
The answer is h=5 m=57 s=40
